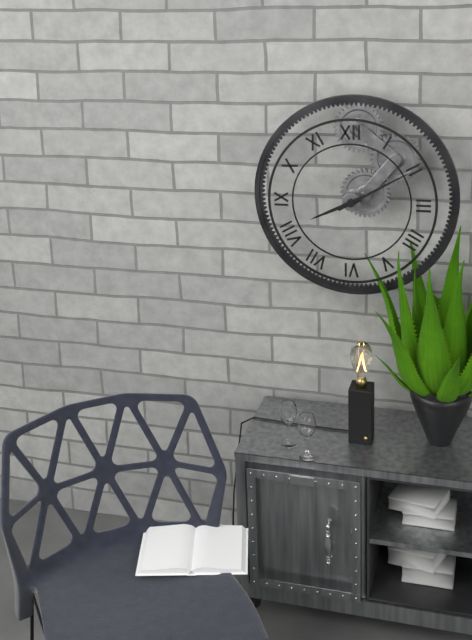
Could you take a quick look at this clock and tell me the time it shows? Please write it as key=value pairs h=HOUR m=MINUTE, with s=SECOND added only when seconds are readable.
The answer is h=8 m=10
